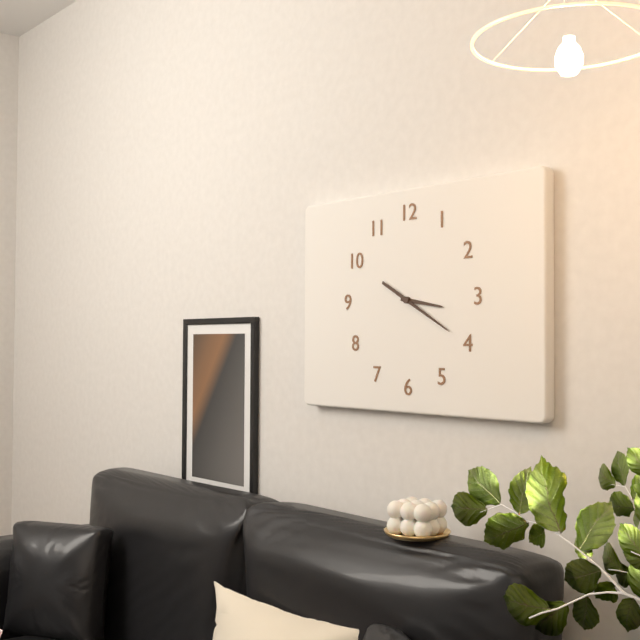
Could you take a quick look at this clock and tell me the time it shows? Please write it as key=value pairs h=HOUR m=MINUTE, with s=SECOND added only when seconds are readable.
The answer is h=3 m=20
